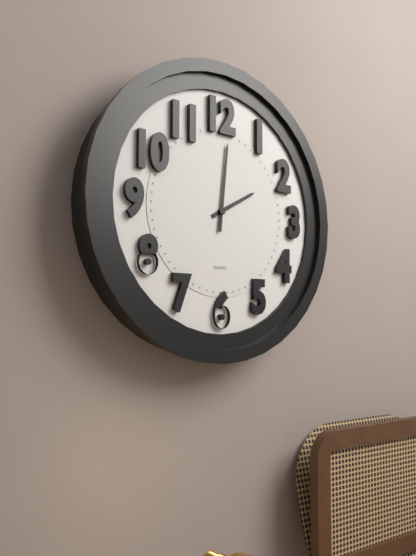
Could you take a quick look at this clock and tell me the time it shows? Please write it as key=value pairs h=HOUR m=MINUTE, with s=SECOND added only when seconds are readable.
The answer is h=2 m=1
